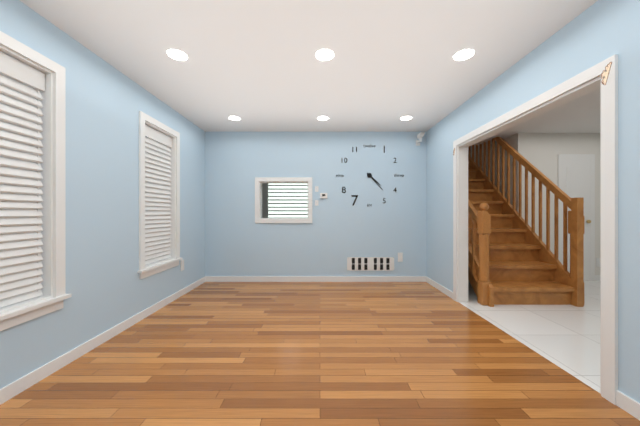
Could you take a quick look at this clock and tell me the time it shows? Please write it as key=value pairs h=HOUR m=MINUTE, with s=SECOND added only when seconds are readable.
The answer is h=4 m=23
